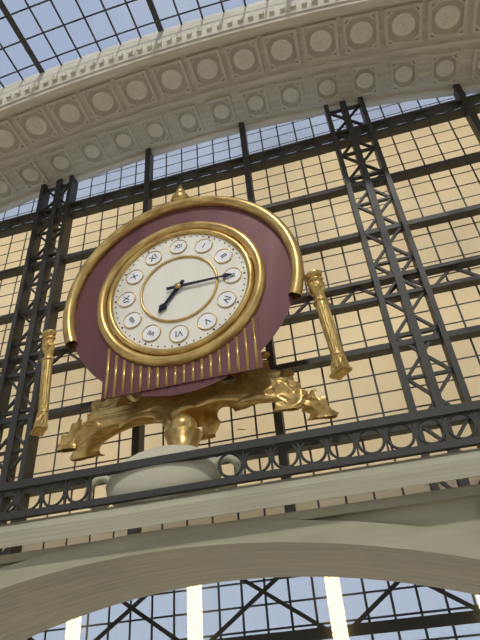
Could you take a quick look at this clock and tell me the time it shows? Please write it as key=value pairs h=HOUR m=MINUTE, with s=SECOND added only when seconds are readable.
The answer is h=7 m=15
